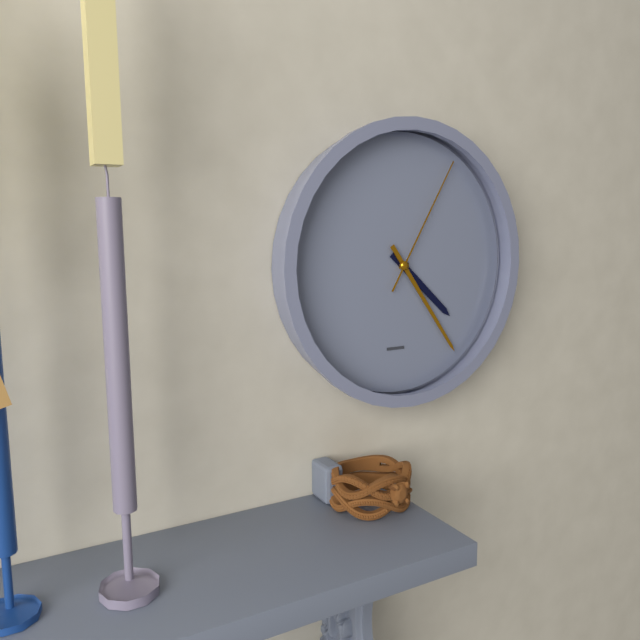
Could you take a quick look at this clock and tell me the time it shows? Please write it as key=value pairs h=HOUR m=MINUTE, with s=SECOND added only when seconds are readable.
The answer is h=4 m=24 s=5
